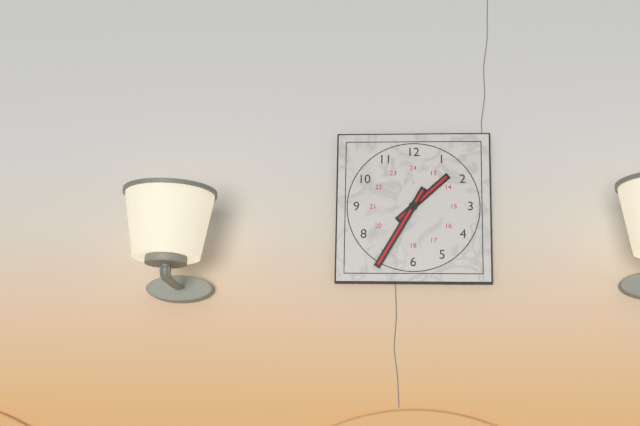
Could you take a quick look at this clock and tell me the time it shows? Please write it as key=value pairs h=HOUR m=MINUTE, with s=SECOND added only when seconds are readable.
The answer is h=1 m=35
